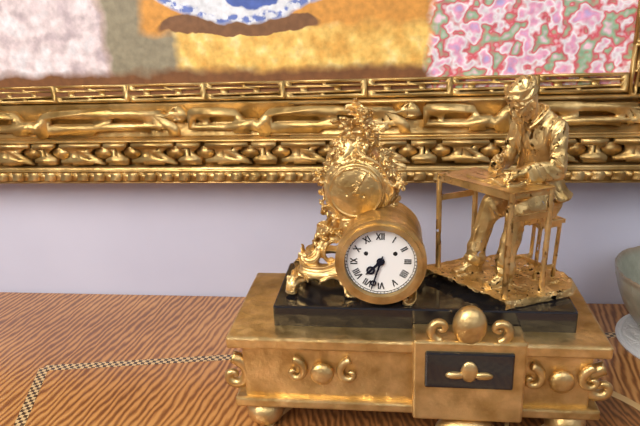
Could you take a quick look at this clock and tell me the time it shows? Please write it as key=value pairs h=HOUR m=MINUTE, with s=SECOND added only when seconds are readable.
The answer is h=7 m=33
